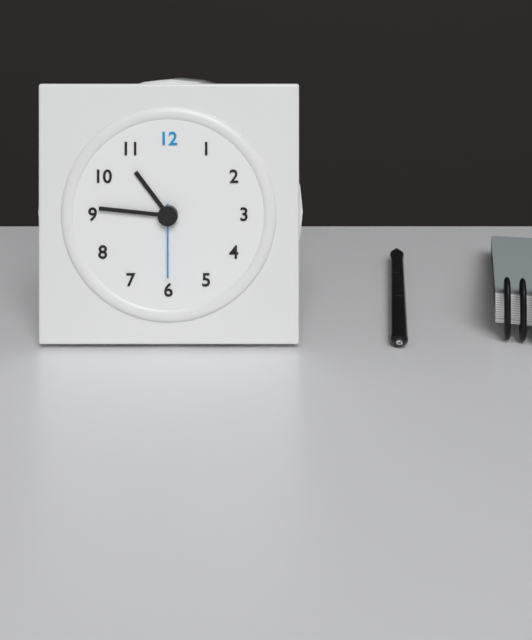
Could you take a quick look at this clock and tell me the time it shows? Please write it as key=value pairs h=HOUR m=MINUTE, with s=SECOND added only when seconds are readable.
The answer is h=10 m=46 s=30
